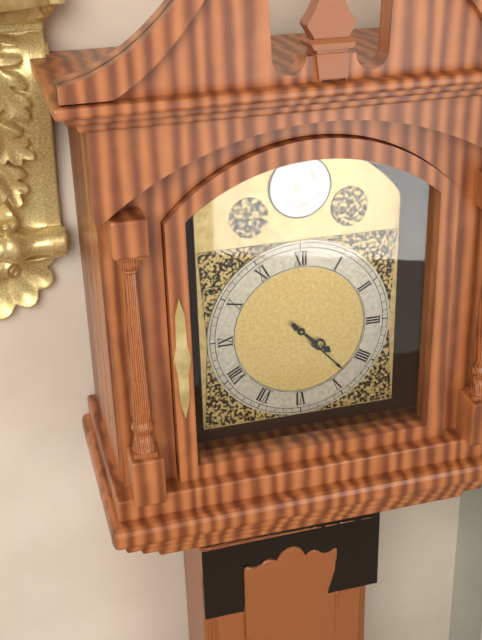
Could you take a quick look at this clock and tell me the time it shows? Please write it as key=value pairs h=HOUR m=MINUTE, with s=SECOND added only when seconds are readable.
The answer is h=4 m=23
